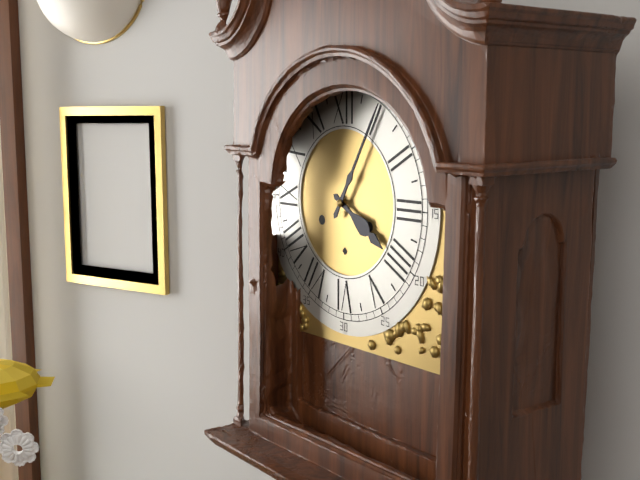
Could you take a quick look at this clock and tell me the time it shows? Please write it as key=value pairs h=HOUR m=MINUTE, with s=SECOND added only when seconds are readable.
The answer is h=4 m=5
